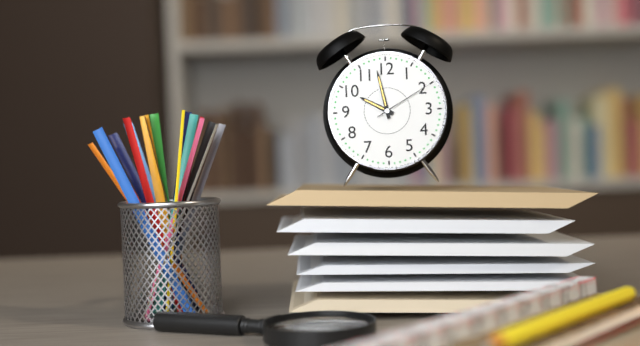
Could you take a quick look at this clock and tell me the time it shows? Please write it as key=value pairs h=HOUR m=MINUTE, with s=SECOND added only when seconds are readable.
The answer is h=9 m=58 s=10
